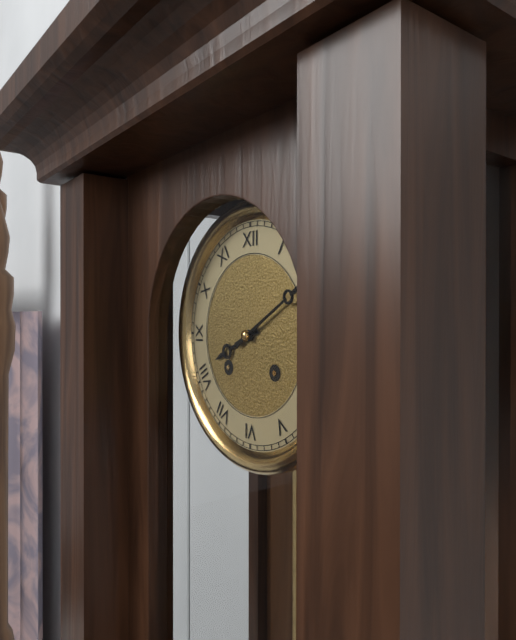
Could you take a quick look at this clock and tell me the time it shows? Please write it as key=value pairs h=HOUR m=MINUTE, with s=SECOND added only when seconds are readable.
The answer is h=8 m=10
